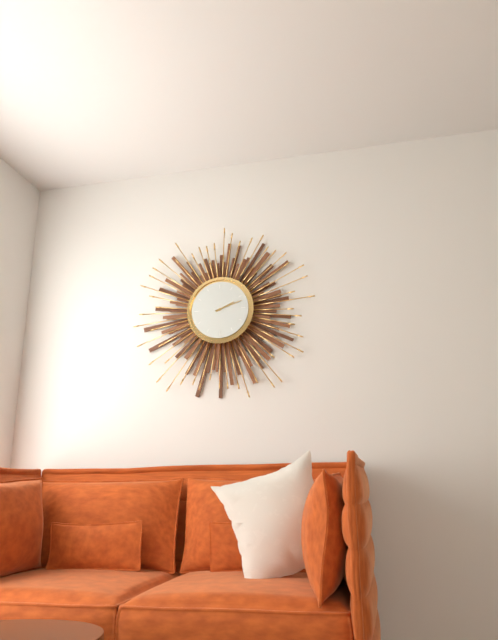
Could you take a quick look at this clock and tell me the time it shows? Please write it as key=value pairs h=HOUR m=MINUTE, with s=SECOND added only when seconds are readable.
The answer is h=2 m=12
